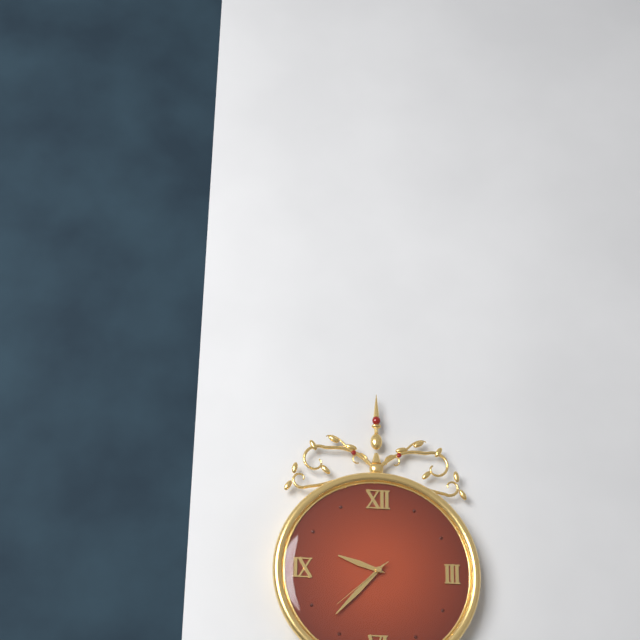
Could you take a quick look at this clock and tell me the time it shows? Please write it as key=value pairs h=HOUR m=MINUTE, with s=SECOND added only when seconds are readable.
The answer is h=9 m=37 s=38
